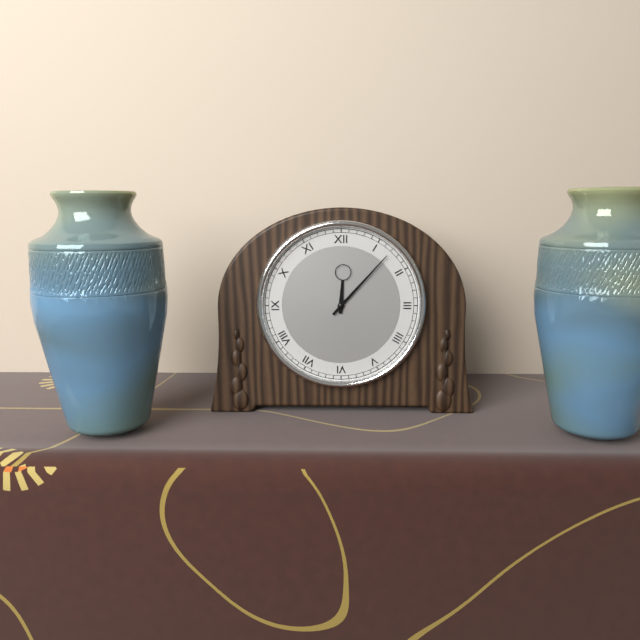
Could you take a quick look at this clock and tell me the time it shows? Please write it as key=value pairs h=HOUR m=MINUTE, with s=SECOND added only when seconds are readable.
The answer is h=12 m=7
